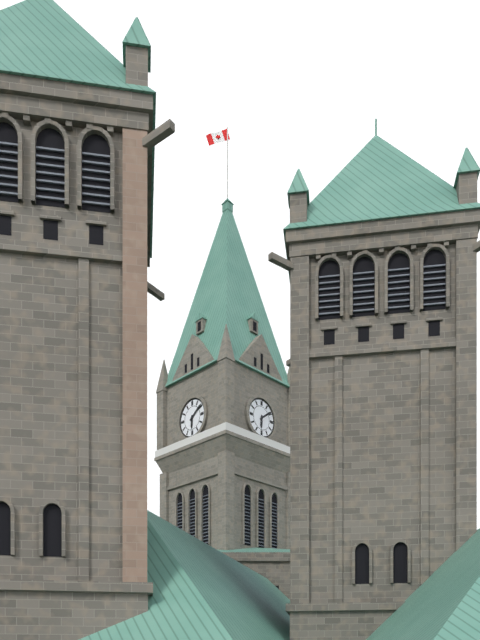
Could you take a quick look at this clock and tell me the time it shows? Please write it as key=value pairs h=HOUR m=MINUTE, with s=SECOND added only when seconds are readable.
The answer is h=6 m=9
